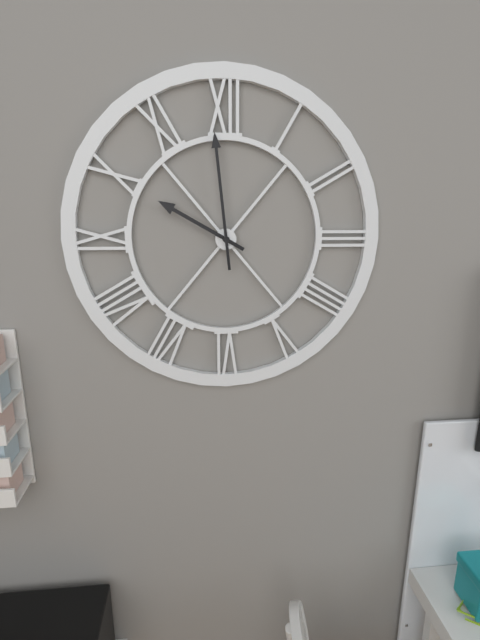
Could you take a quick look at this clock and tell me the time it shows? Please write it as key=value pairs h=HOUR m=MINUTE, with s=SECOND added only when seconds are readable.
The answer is h=9 m=59
